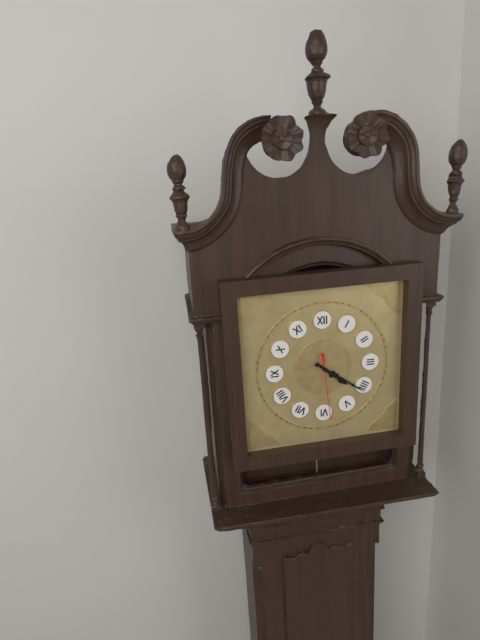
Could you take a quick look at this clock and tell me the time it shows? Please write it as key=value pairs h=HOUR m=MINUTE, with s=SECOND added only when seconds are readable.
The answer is h=4 m=21 s=29
